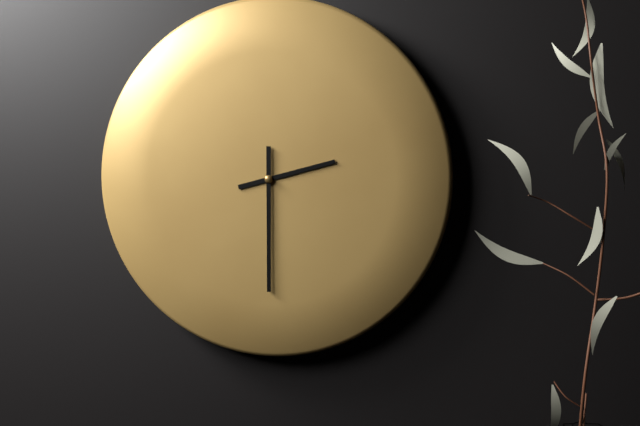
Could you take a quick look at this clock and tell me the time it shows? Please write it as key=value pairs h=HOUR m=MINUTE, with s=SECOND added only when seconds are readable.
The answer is h=2 m=30
